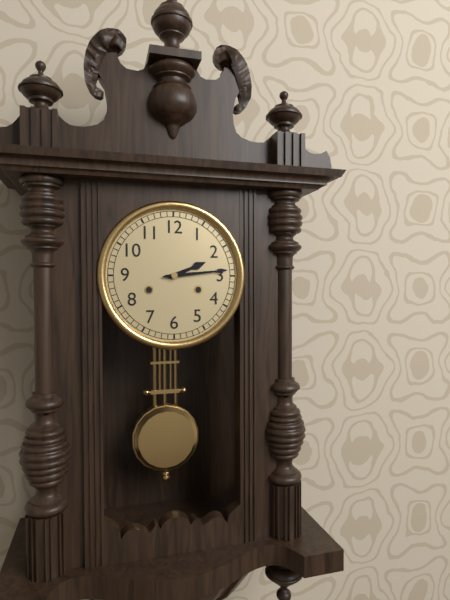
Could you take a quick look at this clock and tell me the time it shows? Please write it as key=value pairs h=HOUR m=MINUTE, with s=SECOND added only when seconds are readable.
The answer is h=2 m=14
